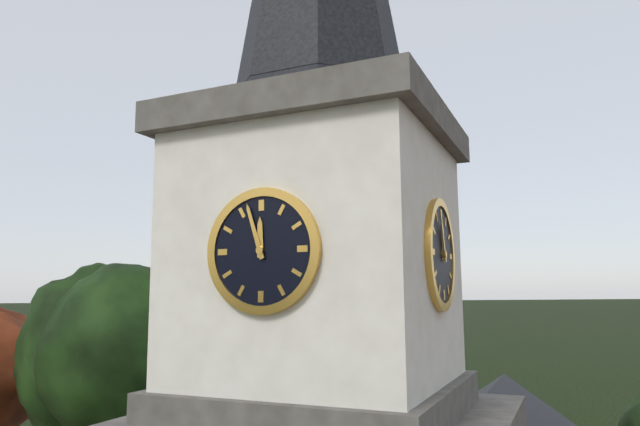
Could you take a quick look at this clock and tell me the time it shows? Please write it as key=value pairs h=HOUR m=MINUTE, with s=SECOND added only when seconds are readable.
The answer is h=11 m=57
